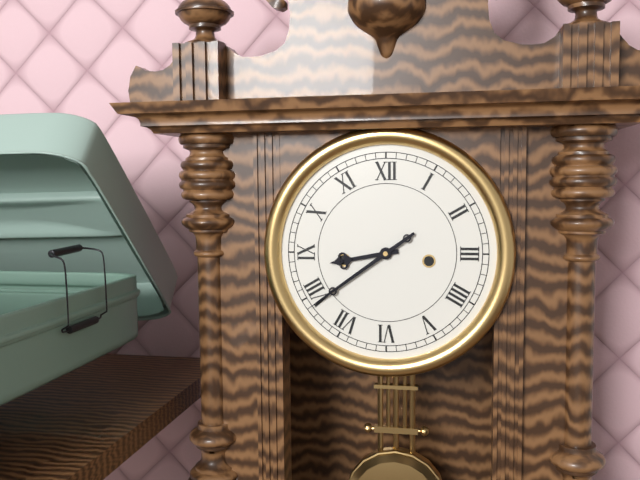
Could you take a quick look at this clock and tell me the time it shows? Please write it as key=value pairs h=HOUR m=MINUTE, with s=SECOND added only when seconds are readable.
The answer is h=8 m=39
